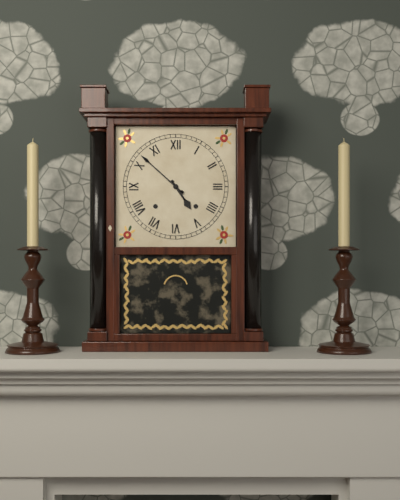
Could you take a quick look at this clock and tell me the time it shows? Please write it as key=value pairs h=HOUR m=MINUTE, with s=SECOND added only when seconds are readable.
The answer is h=4 m=52
